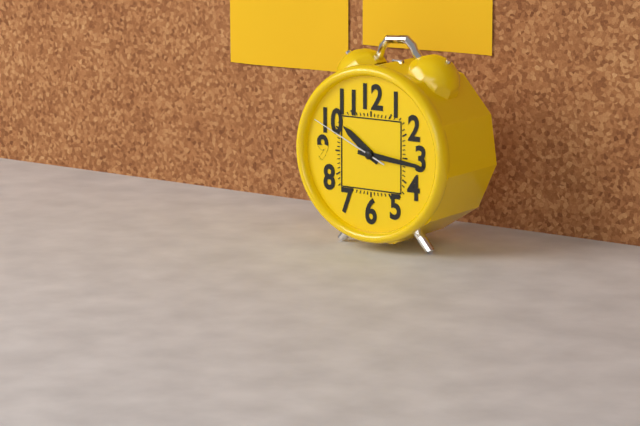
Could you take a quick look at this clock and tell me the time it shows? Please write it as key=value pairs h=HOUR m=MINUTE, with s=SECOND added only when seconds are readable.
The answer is h=10 m=16 s=49
